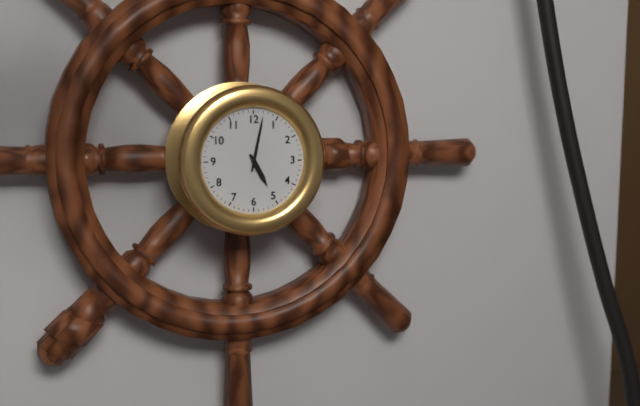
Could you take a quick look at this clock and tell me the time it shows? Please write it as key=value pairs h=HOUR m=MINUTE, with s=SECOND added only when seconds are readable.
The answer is h=5 m=2
